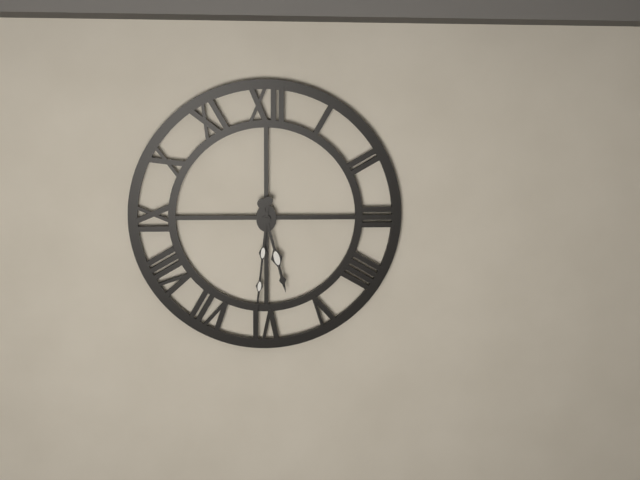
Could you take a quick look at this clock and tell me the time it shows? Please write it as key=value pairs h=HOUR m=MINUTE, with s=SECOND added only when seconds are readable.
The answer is h=5 m=31
